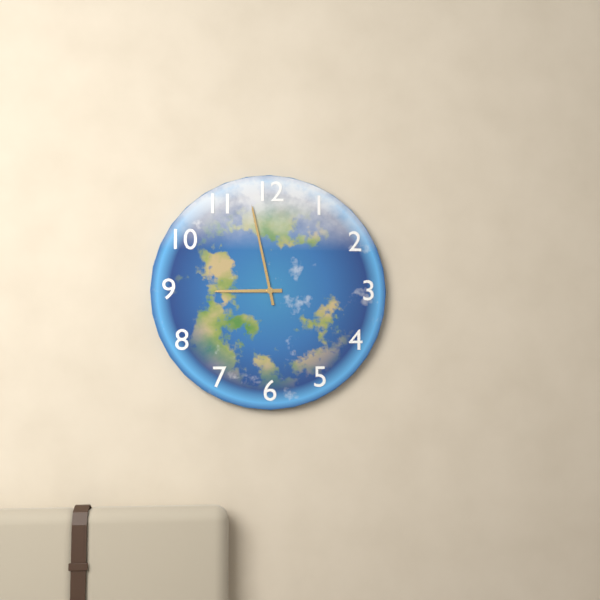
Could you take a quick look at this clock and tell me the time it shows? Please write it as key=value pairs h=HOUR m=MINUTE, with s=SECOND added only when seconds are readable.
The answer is h=8 m=58
